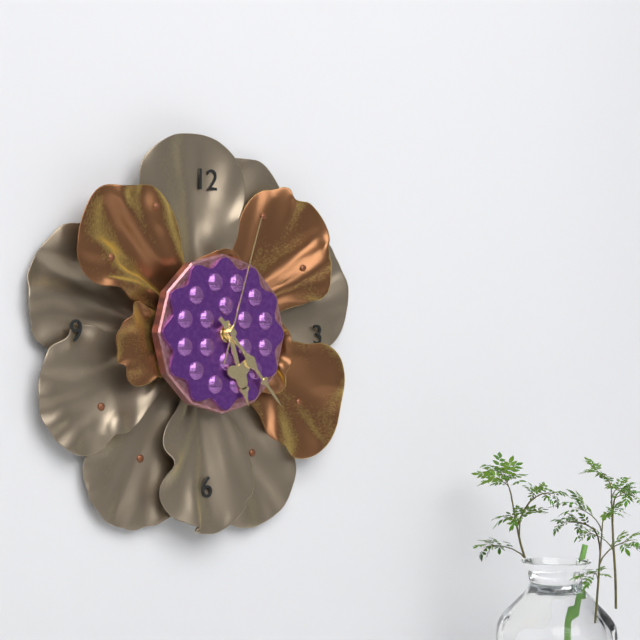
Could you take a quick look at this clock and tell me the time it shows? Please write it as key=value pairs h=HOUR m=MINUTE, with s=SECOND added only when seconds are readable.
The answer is h=5 m=23 s=3
